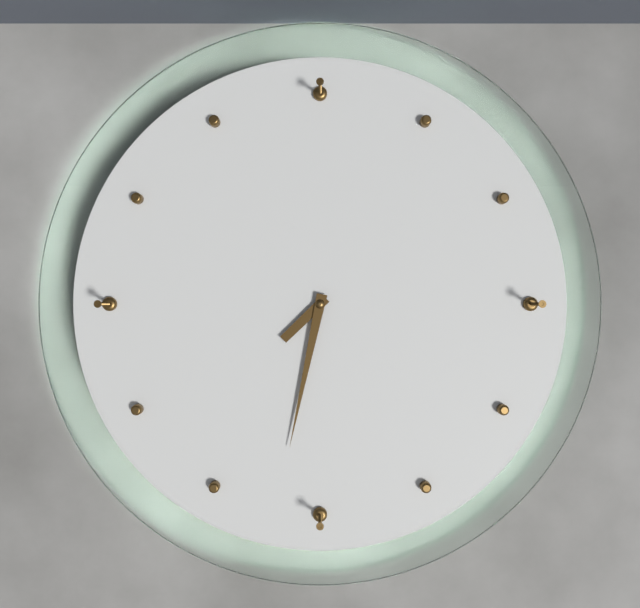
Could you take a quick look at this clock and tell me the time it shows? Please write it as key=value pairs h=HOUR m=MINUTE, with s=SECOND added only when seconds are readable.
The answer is h=7 m=32
